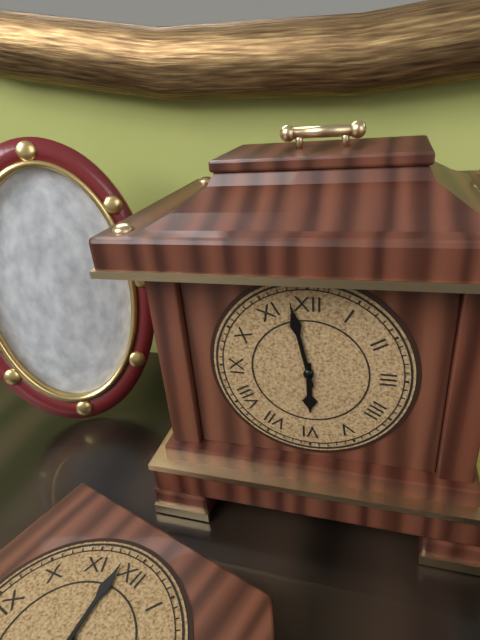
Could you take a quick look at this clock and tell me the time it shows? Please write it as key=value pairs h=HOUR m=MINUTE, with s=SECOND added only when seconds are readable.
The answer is h=5 m=58
